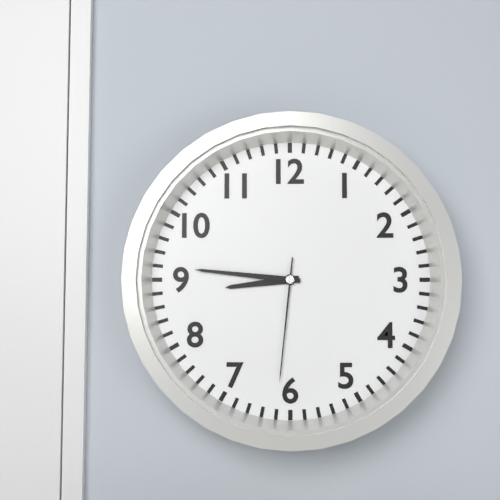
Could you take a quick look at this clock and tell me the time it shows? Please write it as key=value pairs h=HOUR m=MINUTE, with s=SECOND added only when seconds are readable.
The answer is h=8 m=46 s=31
